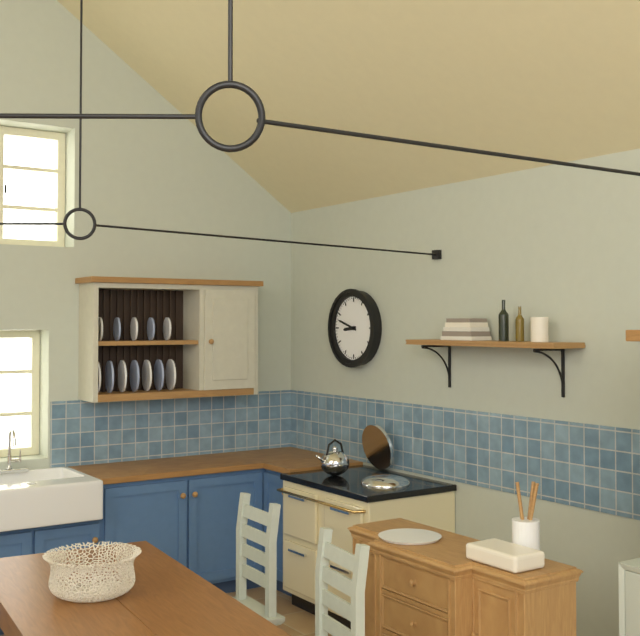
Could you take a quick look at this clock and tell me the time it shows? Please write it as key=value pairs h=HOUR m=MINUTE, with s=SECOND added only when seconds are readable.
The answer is h=8 m=48
